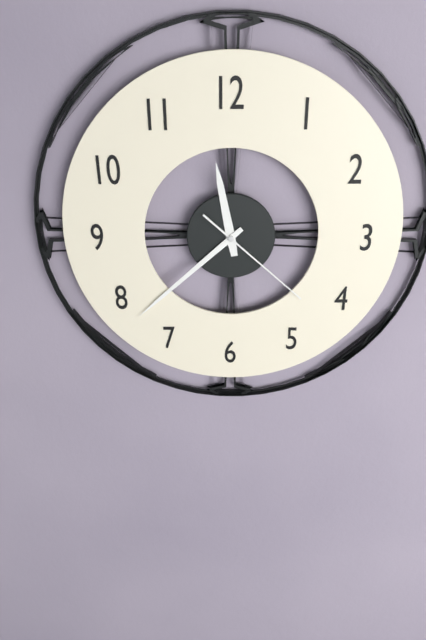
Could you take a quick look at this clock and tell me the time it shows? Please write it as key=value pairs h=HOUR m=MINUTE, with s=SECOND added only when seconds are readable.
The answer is h=11 m=38 s=22
